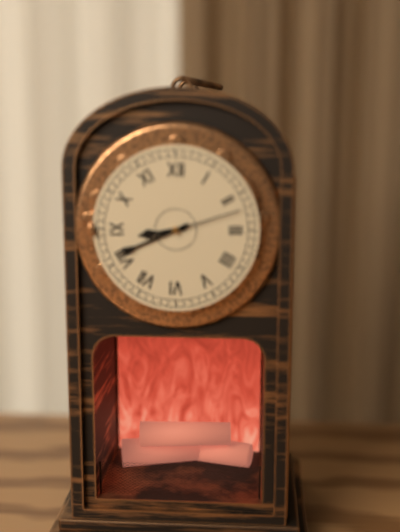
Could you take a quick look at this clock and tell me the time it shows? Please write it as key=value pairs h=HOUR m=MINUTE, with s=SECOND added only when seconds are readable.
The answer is h=8 m=41 s=12
